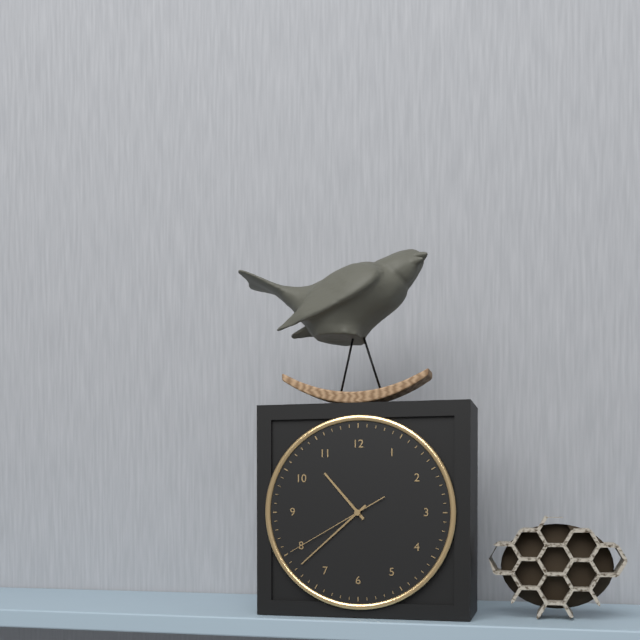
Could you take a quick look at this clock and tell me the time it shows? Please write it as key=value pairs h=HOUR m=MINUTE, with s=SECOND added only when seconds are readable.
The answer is h=10 m=38 s=40
